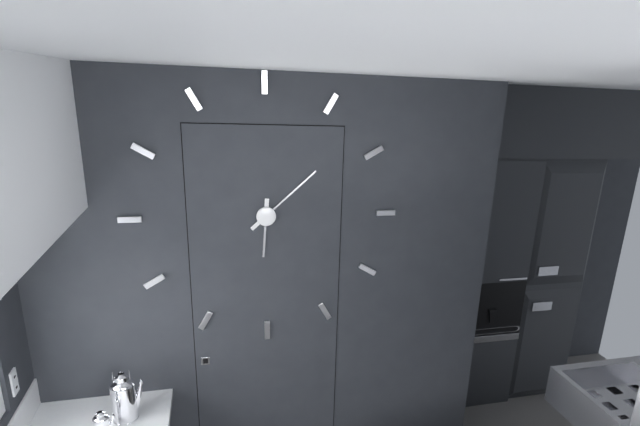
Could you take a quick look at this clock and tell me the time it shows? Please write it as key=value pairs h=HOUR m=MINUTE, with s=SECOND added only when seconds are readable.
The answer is h=6 m=8
